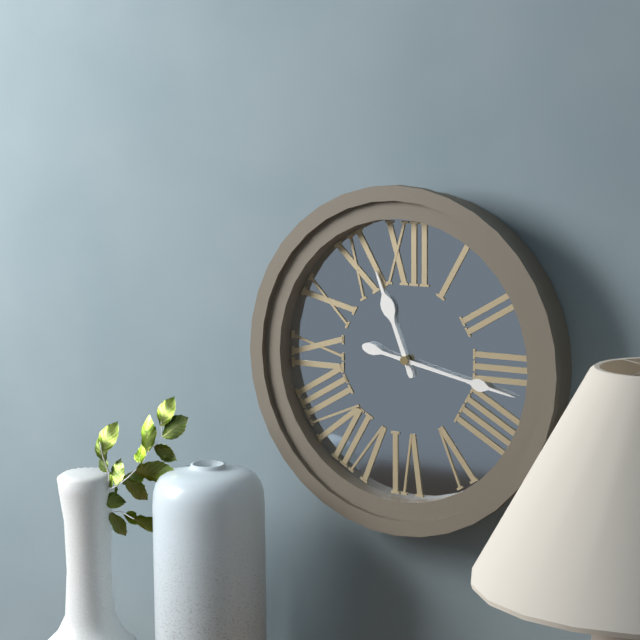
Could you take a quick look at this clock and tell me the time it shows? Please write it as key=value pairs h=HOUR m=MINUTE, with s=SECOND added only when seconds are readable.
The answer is h=11 m=17
